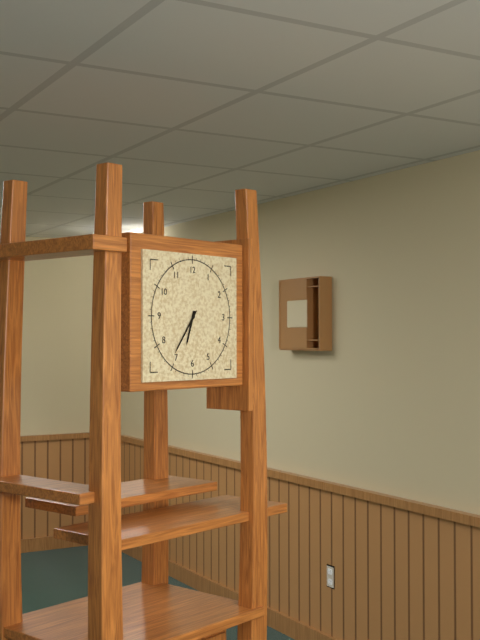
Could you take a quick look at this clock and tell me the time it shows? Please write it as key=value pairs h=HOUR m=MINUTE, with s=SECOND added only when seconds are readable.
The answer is h=6 m=36
